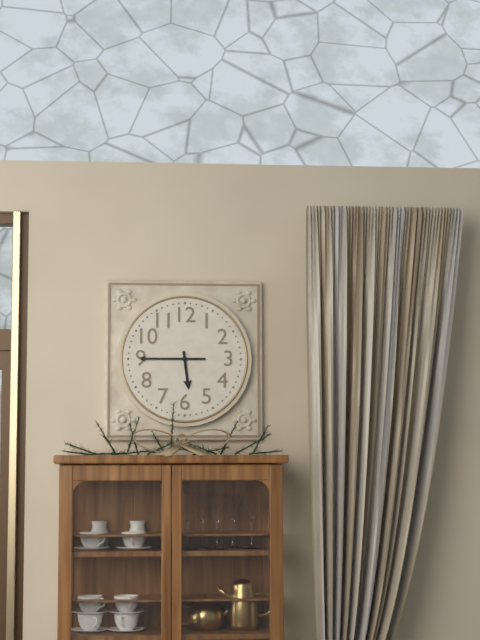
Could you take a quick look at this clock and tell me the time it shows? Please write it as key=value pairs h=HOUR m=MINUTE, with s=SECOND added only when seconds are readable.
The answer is h=5 m=45
